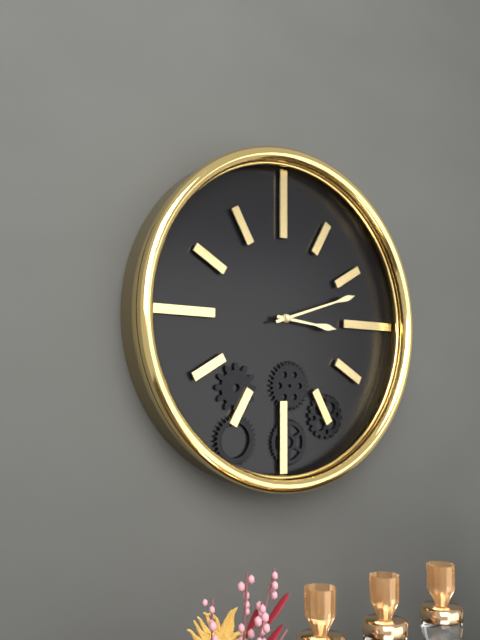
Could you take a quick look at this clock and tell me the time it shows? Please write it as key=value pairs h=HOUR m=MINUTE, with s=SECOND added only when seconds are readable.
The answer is h=3 m=12
